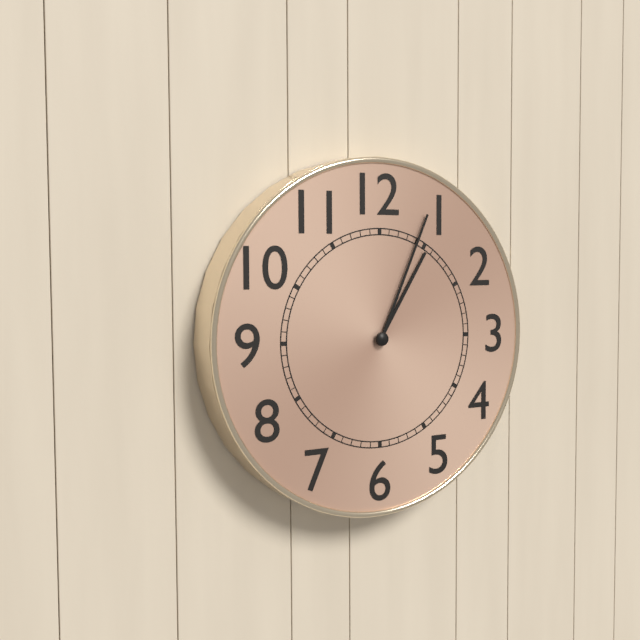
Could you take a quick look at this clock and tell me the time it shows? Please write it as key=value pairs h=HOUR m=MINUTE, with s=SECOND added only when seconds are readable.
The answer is h=1 m=4
